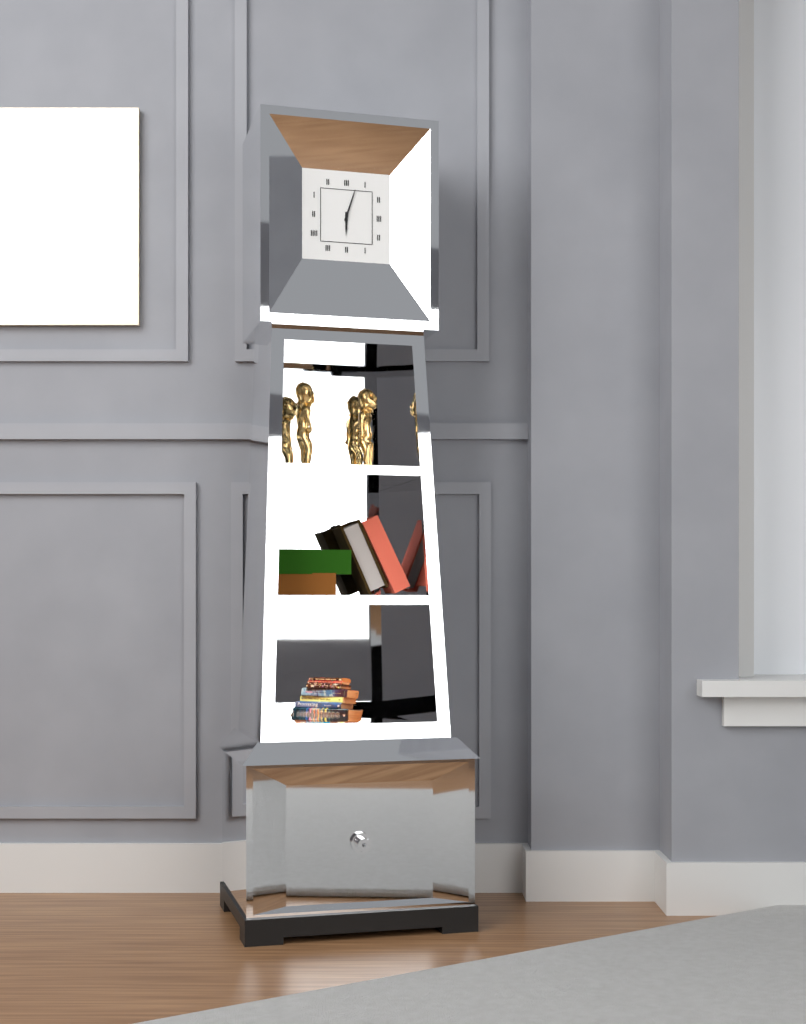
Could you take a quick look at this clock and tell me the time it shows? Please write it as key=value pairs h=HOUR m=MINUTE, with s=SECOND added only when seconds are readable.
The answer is h=6 m=3
